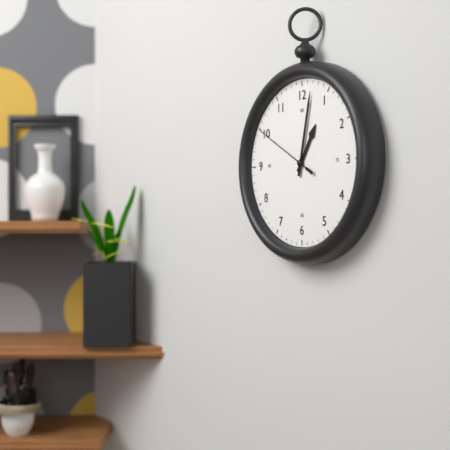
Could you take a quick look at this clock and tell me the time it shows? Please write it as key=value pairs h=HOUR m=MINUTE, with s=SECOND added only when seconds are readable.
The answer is h=1 m=2 s=50
